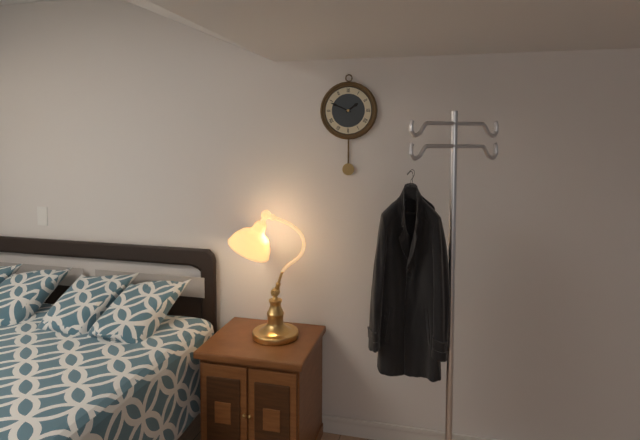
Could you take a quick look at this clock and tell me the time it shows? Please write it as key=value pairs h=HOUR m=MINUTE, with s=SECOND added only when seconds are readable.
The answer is h=1 m=49
